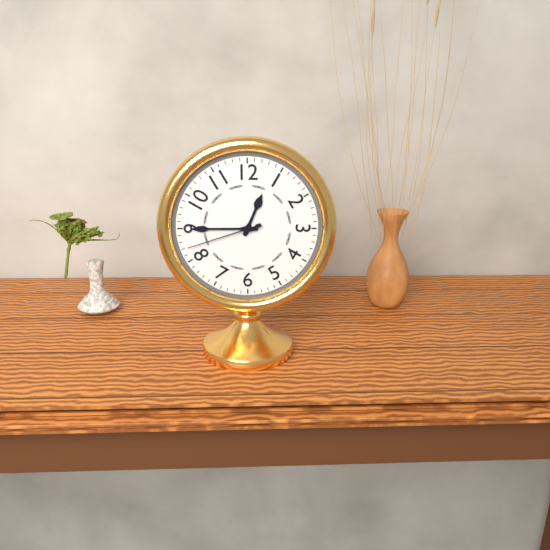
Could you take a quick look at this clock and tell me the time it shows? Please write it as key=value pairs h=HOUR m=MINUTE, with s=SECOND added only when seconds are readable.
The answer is h=12 m=45 s=42
